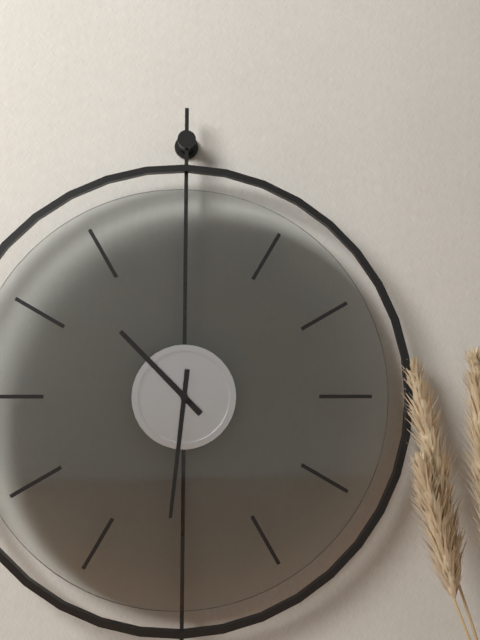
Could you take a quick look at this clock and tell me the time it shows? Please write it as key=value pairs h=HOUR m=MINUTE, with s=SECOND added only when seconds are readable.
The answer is h=10 m=31
